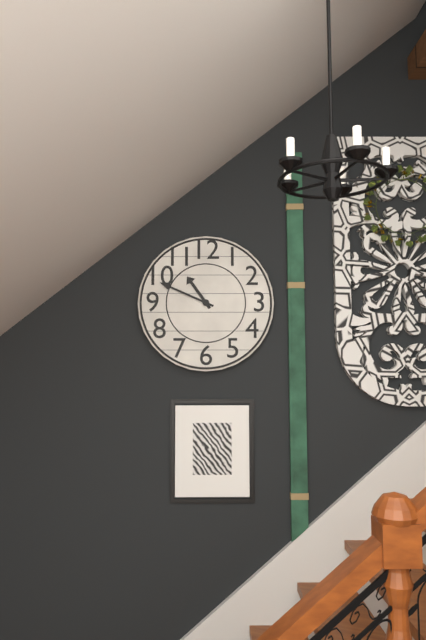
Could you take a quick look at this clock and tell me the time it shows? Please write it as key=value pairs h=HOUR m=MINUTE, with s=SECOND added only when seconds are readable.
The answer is h=10 m=49
